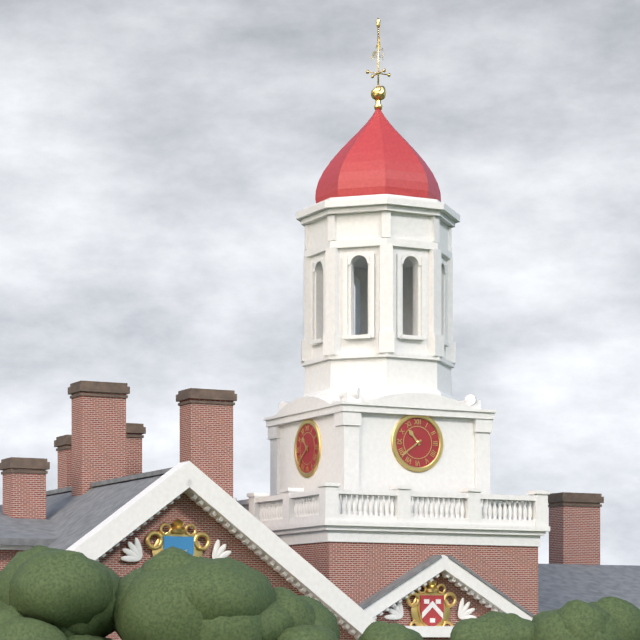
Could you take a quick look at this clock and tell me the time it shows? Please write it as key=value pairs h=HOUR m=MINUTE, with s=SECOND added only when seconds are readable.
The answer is h=10 m=39
